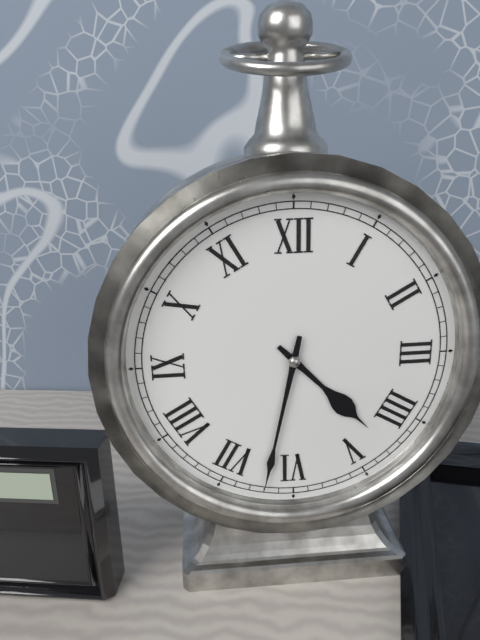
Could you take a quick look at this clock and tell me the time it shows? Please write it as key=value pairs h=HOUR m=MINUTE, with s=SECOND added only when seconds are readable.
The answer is h=4 m=32
